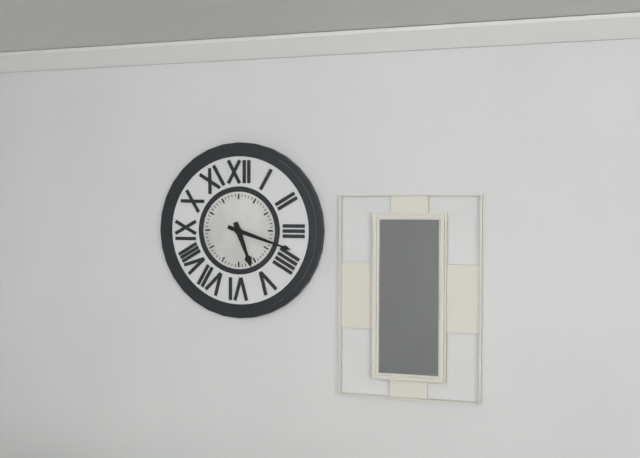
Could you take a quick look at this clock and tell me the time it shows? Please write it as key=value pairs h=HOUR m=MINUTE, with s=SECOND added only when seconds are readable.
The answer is h=5 m=18
